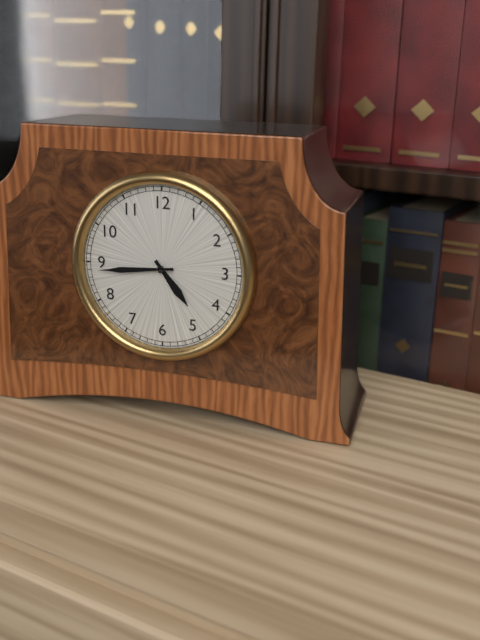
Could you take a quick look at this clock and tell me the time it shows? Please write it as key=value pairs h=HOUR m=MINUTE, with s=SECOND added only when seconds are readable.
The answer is h=4 m=44
